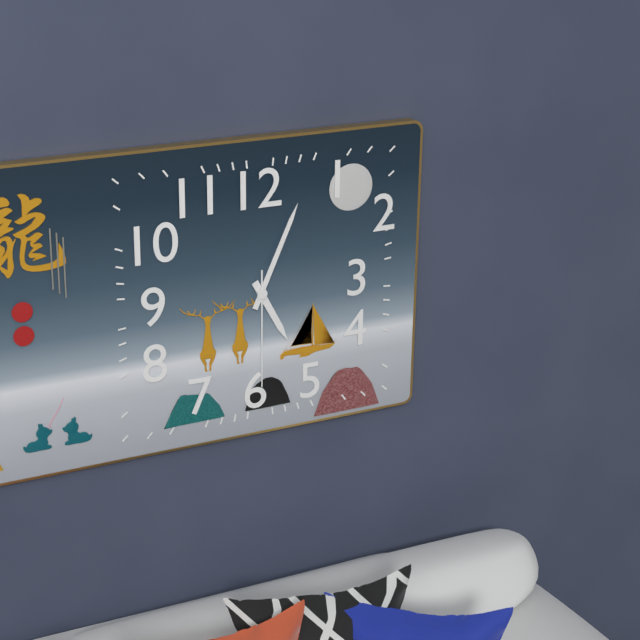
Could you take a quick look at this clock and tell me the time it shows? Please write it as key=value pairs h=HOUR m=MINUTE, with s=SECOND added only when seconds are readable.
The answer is h=5 m=4 s=30
